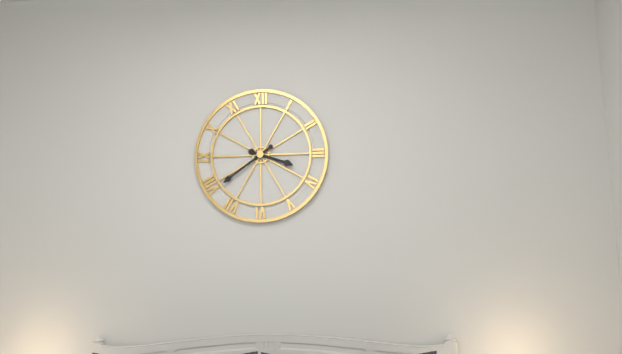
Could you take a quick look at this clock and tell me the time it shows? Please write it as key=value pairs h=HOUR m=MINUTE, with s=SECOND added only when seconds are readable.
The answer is h=3 m=39
